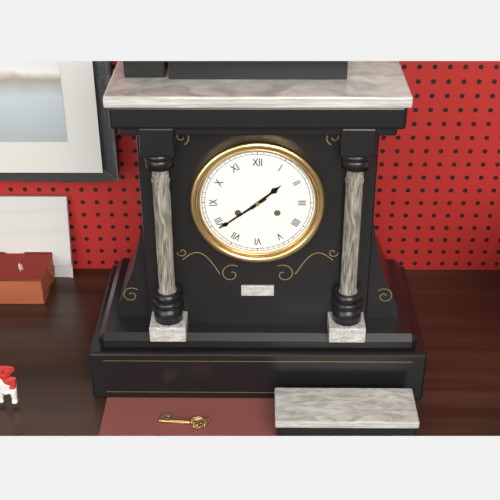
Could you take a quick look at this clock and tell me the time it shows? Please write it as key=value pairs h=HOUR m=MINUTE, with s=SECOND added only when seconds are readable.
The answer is h=1 m=39
